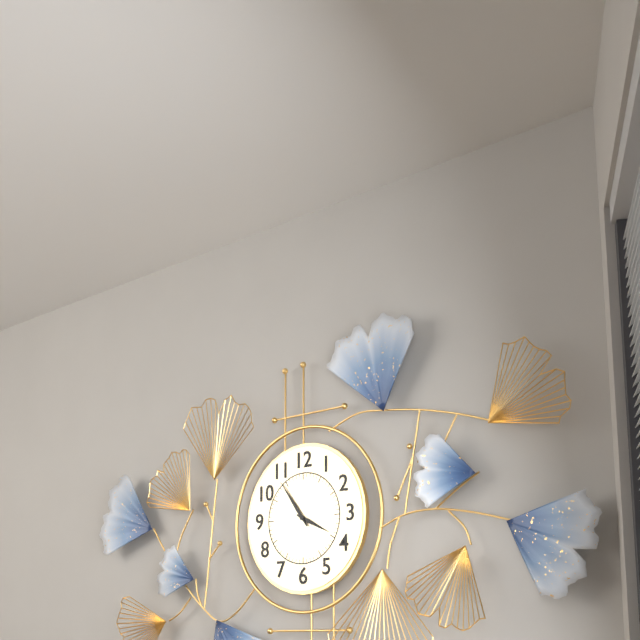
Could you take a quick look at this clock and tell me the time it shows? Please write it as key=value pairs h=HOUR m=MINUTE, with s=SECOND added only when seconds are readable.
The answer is h=3 m=54
